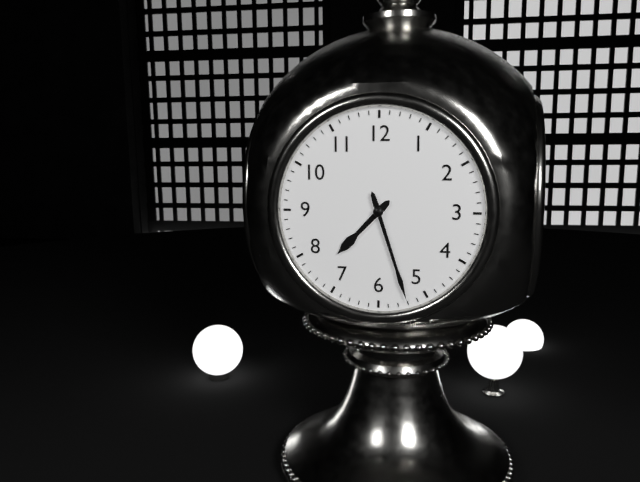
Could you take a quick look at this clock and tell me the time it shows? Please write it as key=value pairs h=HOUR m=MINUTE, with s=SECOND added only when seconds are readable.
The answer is h=7 m=27
